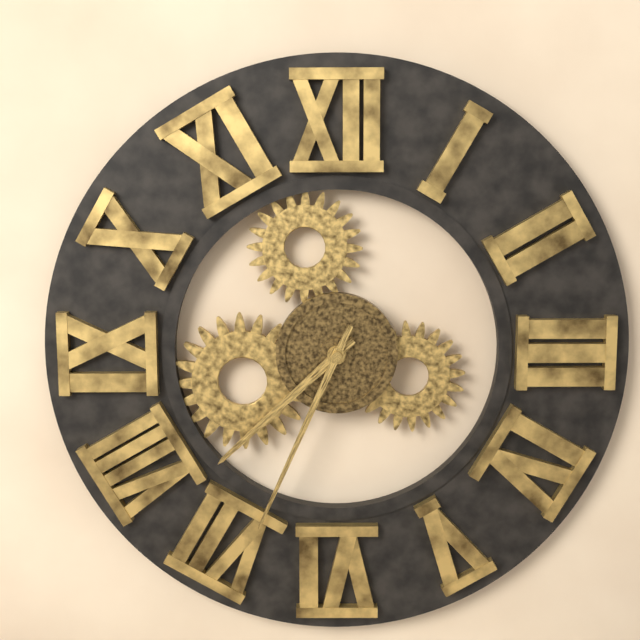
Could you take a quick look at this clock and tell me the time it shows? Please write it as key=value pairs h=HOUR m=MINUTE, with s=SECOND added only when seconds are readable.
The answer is h=7 m=34
